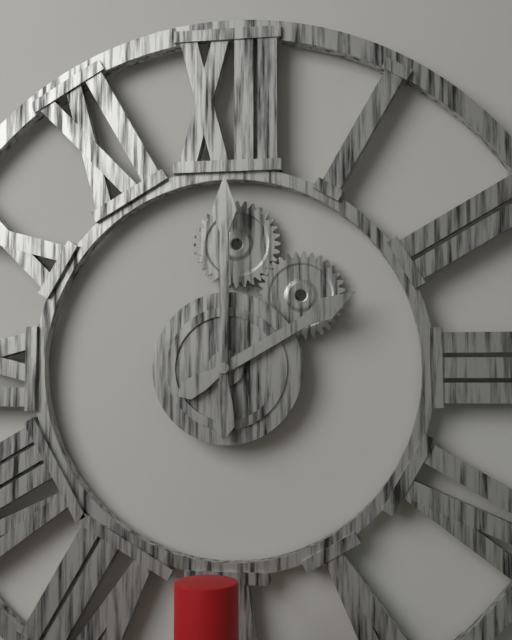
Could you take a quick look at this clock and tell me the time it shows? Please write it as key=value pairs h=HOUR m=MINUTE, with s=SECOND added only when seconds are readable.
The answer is h=2 m=0
